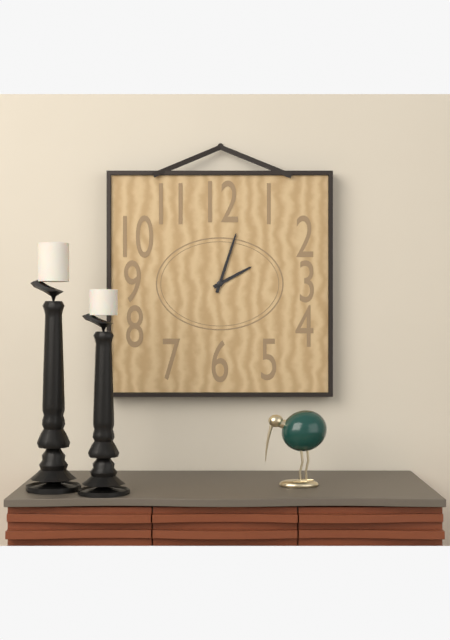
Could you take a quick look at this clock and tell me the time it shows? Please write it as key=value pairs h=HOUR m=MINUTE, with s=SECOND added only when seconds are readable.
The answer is h=2 m=3
